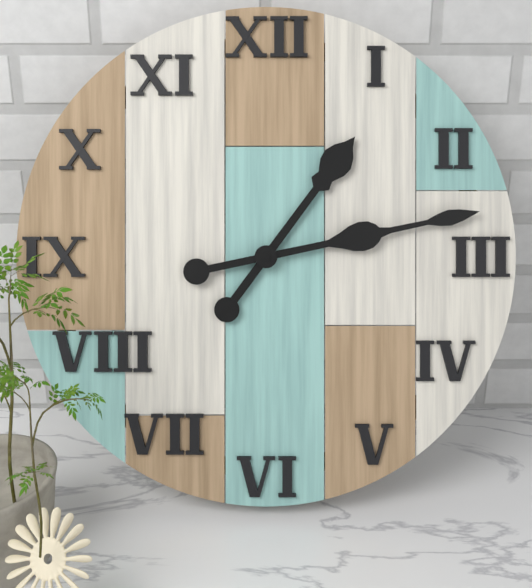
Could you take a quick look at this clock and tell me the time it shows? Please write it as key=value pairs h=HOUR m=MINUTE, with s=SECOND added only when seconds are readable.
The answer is h=1 m=13
